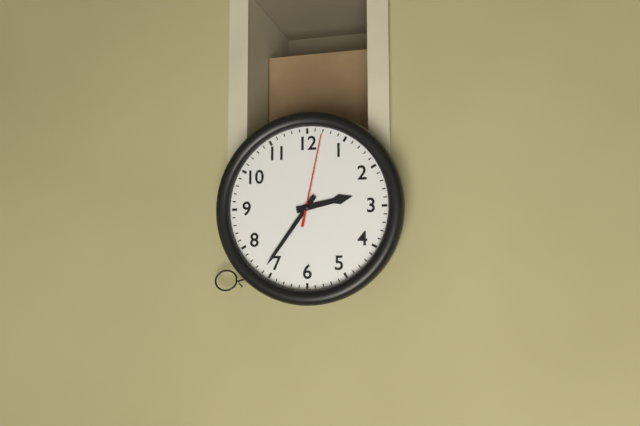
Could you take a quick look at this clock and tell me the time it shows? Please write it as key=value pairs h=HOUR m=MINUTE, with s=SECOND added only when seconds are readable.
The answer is h=2 m=36 s=2
